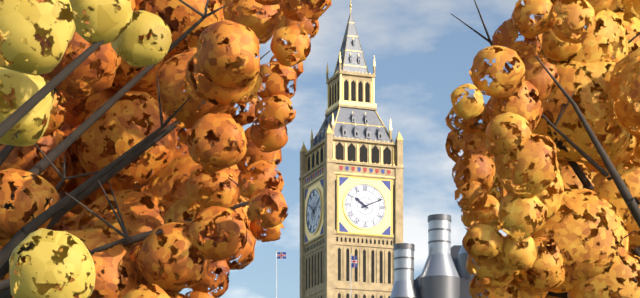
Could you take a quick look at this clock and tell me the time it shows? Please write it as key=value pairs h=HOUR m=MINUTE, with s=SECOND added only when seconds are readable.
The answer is h=10 m=11
